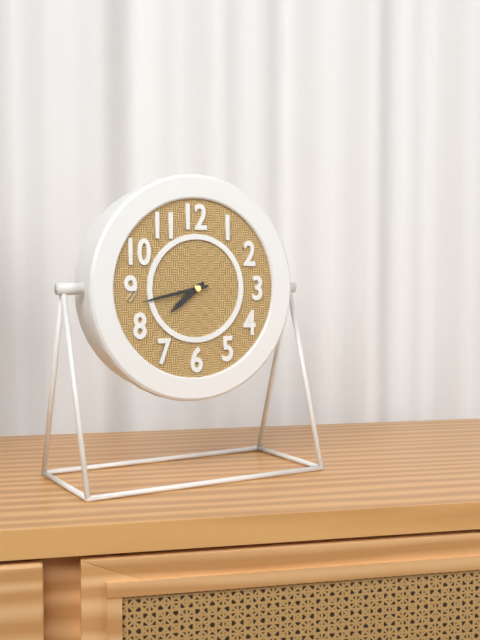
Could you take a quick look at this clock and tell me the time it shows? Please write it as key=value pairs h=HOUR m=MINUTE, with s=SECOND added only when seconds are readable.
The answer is h=7 m=43
